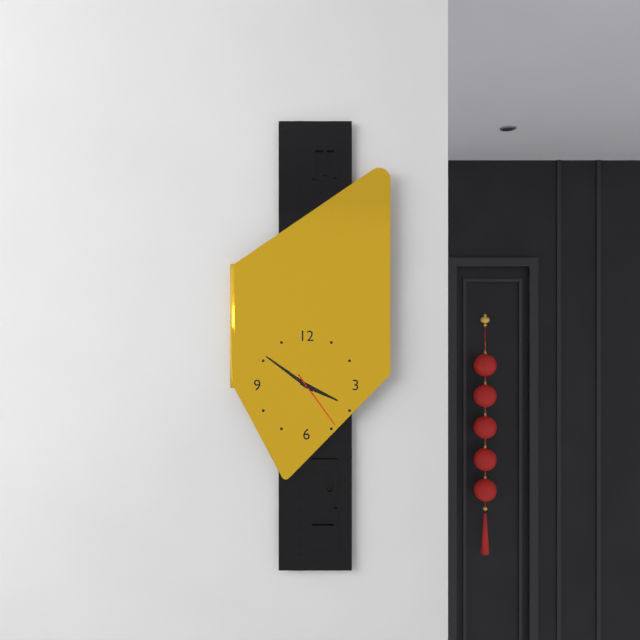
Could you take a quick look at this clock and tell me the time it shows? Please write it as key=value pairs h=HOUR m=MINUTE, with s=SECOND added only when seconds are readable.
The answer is h=3 m=51 s=24
